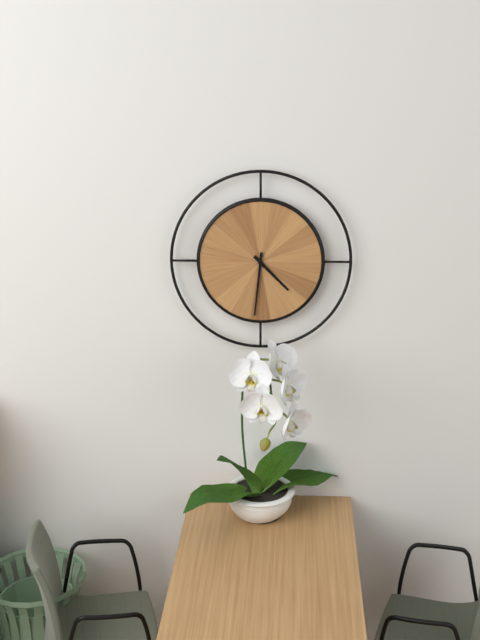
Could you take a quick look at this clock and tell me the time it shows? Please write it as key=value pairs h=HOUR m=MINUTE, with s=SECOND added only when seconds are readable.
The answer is h=4 m=31
